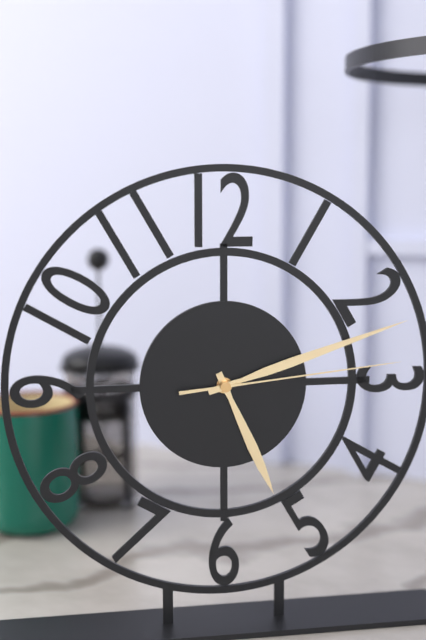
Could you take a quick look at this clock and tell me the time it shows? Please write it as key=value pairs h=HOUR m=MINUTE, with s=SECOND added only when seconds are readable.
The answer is h=5 m=12 s=14
